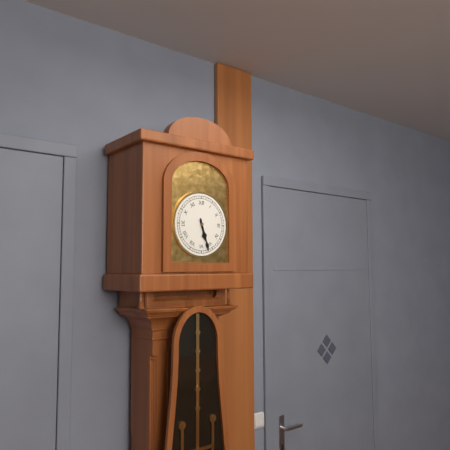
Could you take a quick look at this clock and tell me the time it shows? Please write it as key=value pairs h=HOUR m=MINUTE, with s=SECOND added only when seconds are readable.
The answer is h=5 m=27
